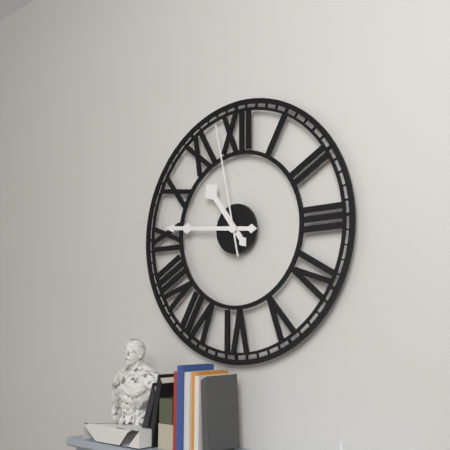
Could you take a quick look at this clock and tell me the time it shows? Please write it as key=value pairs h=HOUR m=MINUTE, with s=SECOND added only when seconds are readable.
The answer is h=10 m=46 s=58
